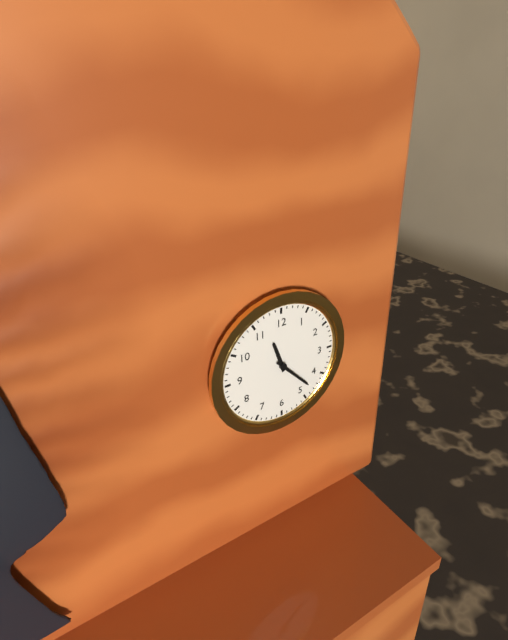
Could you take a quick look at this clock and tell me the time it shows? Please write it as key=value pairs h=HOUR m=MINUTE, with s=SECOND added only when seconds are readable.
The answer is h=11 m=23
